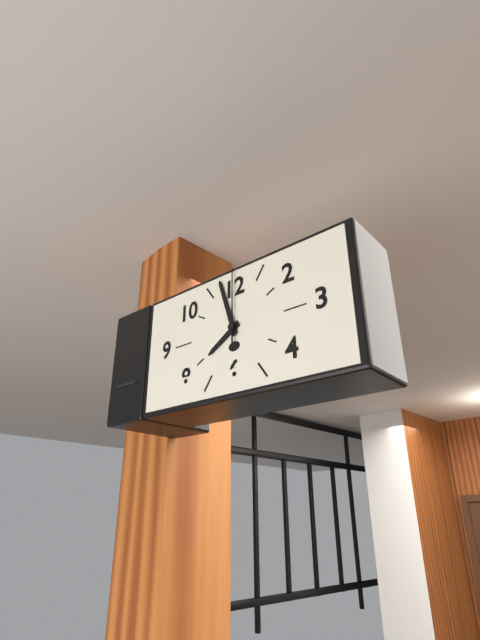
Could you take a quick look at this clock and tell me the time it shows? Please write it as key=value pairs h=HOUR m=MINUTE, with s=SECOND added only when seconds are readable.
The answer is h=7 m=57 s=0
